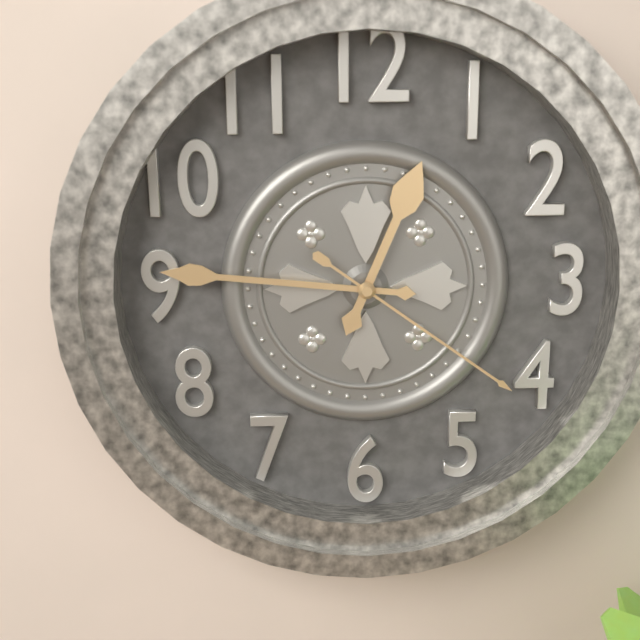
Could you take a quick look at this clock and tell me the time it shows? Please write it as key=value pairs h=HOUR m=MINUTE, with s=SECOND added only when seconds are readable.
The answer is h=12 m=46 s=21
